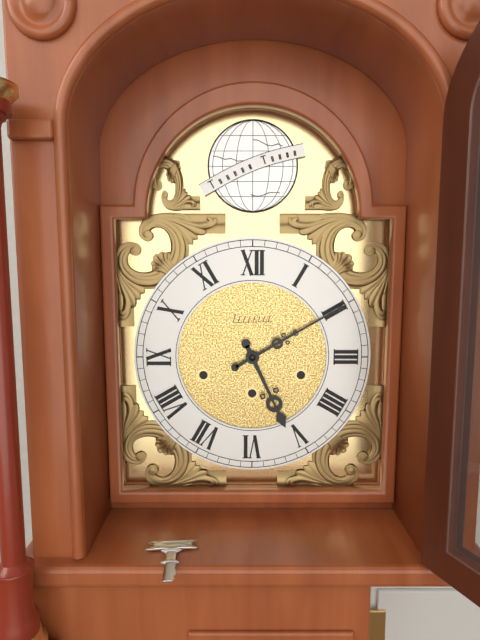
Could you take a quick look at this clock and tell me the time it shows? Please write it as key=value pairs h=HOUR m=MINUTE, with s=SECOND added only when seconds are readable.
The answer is h=5 m=10
